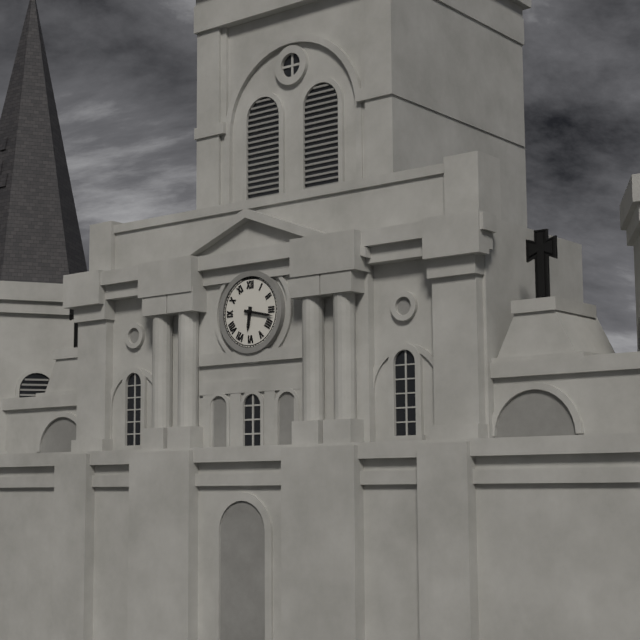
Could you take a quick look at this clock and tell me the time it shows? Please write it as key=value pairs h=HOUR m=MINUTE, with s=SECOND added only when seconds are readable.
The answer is h=6 m=17
